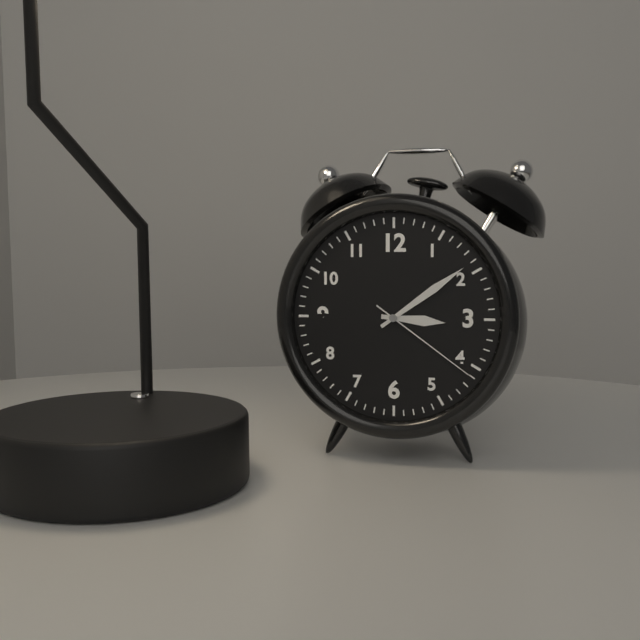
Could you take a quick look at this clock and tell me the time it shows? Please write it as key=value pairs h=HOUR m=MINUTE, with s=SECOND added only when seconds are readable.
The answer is h=3 m=9 s=21
